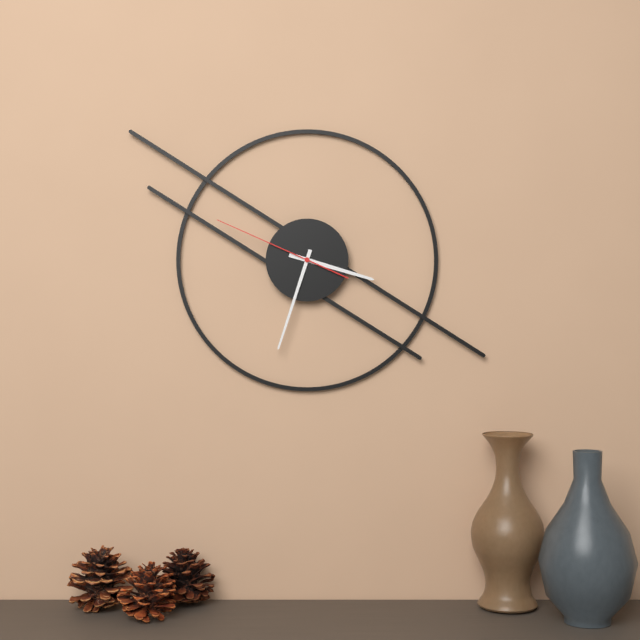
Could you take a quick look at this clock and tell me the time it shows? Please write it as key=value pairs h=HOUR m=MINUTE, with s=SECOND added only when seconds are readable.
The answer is h=3 m=33 s=49
